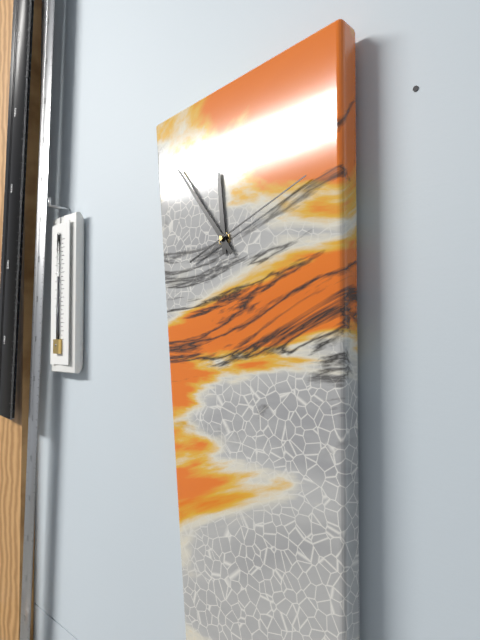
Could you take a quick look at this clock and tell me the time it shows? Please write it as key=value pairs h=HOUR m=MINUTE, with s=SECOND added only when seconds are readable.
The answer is h=11 m=54 s=12
